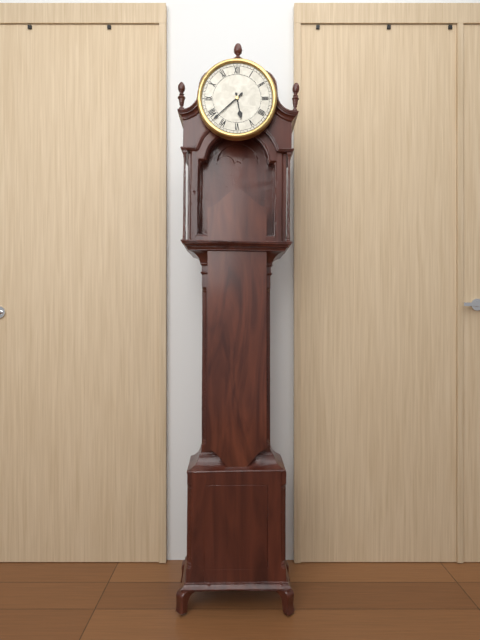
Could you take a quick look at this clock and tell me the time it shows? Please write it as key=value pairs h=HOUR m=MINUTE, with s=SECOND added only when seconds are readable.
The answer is h=5 m=38
